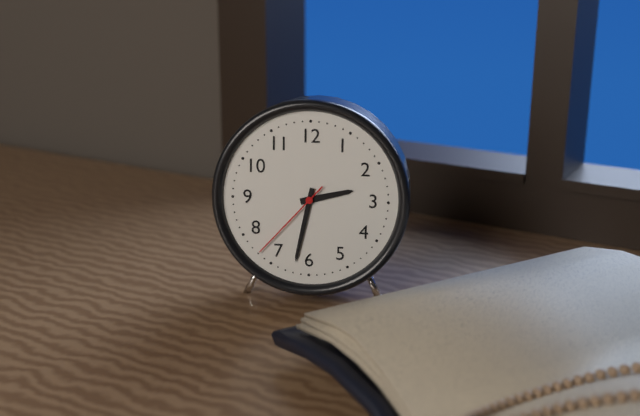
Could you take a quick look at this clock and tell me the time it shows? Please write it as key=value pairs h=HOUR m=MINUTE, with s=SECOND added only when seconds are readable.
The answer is h=2 m=32 s=37
